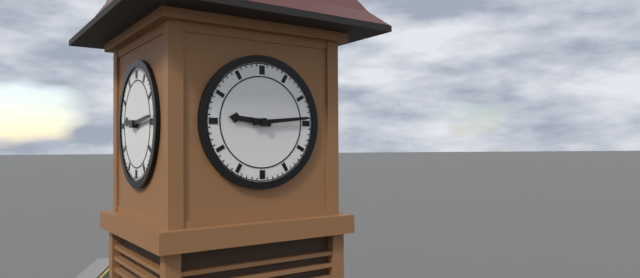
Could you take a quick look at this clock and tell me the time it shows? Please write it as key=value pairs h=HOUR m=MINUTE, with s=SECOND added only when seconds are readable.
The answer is h=9 m=14
